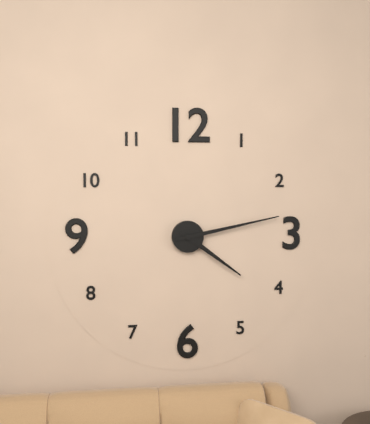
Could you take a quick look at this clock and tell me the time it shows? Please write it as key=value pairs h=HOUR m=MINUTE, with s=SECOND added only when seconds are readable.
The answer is h=4 m=13
